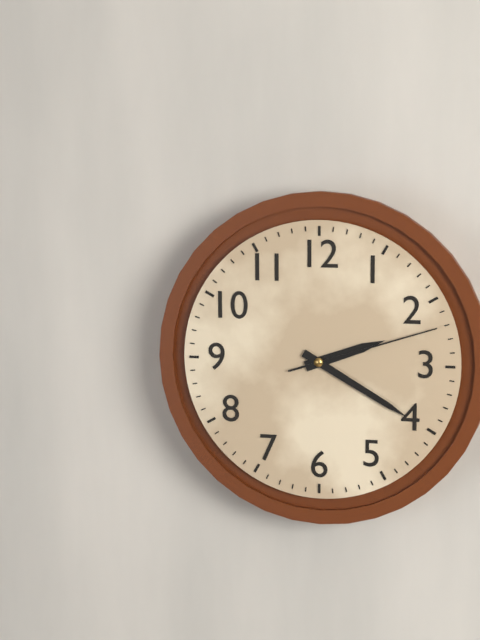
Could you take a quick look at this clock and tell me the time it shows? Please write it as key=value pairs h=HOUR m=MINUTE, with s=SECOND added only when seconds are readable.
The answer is h=2 m=20 s=12
